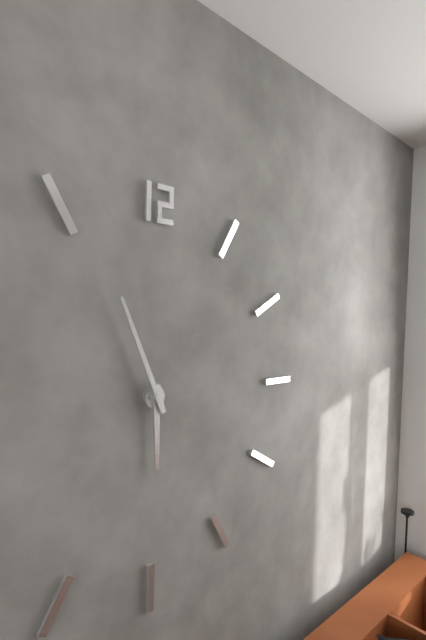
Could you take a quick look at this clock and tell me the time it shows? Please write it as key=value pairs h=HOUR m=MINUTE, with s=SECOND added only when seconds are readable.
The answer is h=5 m=56
